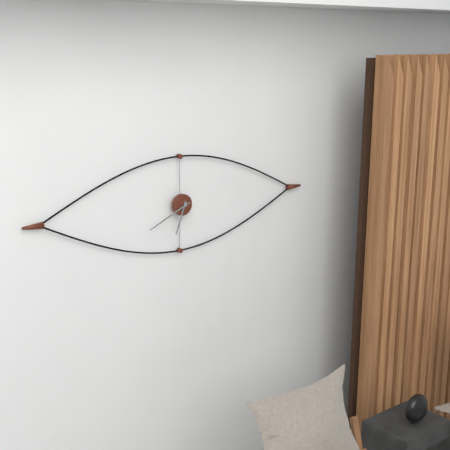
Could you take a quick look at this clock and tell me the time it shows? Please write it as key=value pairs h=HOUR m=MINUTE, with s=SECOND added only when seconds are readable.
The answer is h=6 m=41
